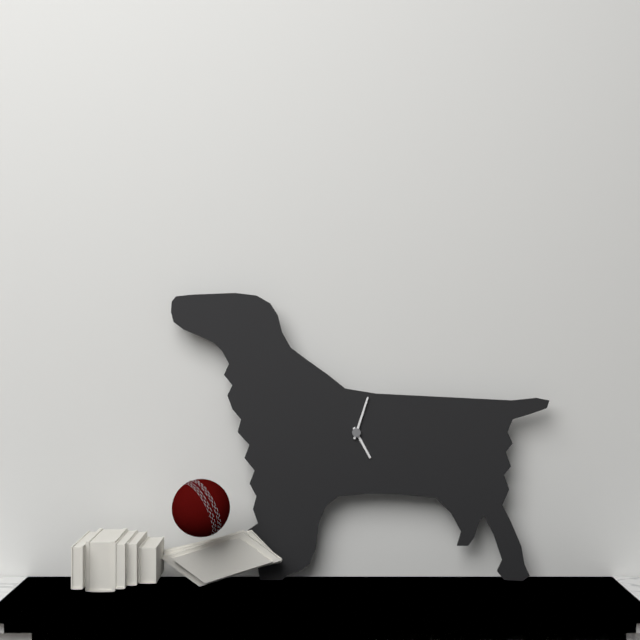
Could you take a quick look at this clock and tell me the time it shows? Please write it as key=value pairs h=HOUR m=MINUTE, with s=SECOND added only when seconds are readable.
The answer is h=5 m=3
